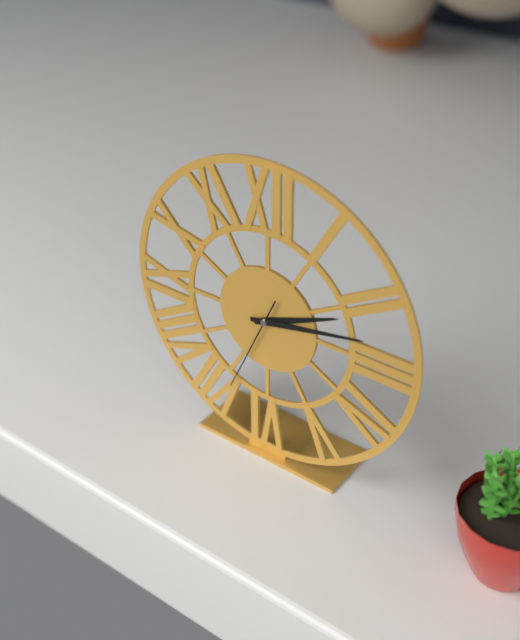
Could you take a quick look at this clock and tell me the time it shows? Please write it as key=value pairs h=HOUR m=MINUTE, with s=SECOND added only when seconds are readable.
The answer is h=2 m=13 s=34
